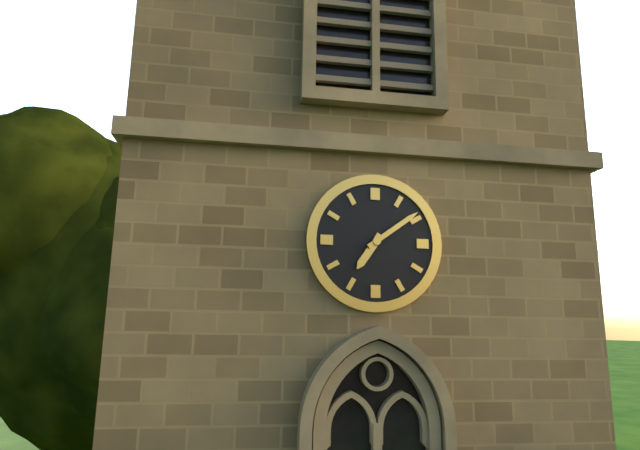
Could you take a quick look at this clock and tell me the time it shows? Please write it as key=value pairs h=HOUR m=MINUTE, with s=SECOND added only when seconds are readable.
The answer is h=7 m=9
